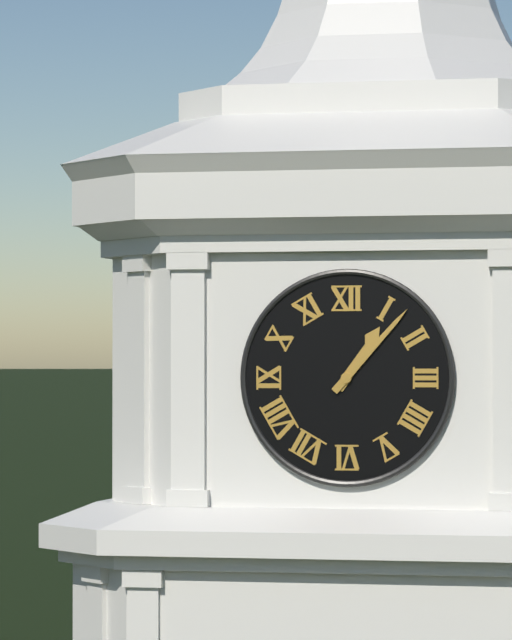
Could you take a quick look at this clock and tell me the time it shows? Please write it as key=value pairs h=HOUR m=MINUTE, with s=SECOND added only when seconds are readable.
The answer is h=1 m=7
